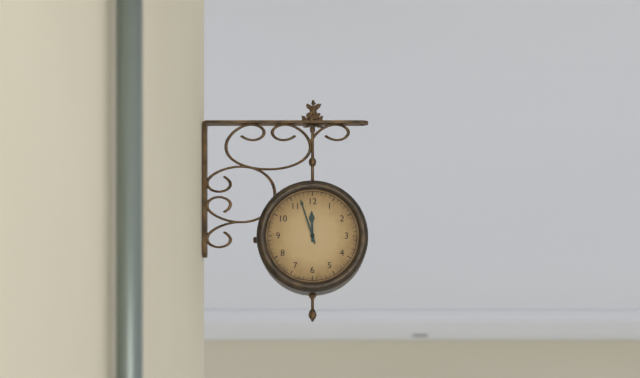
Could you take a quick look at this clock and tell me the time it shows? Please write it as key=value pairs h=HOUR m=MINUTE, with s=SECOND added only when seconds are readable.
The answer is h=11 m=57
